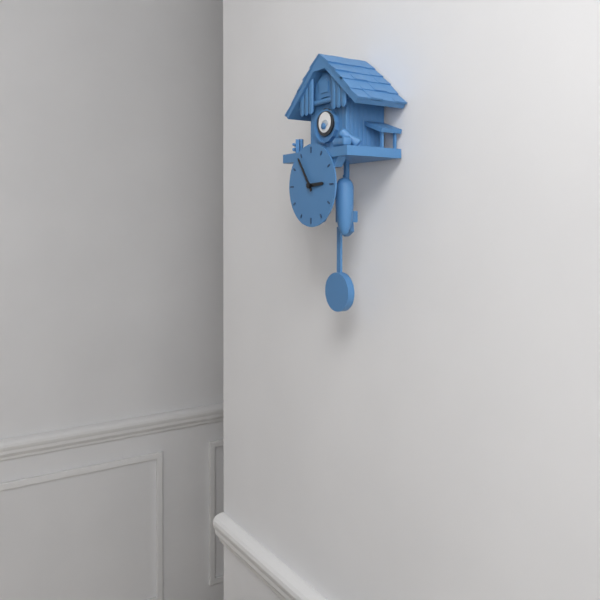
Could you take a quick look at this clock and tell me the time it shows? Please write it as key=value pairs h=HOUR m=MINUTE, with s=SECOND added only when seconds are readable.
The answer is h=2 m=54
